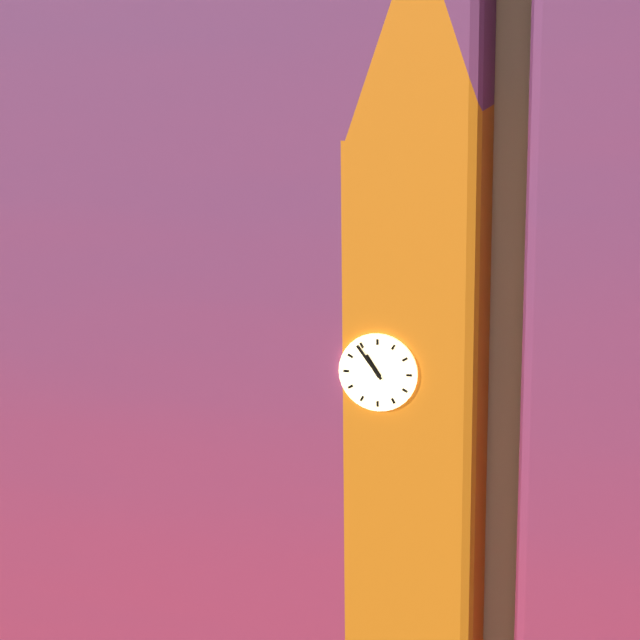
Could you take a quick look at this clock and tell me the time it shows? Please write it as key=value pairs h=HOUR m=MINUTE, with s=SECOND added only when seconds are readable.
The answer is h=10 m=54
